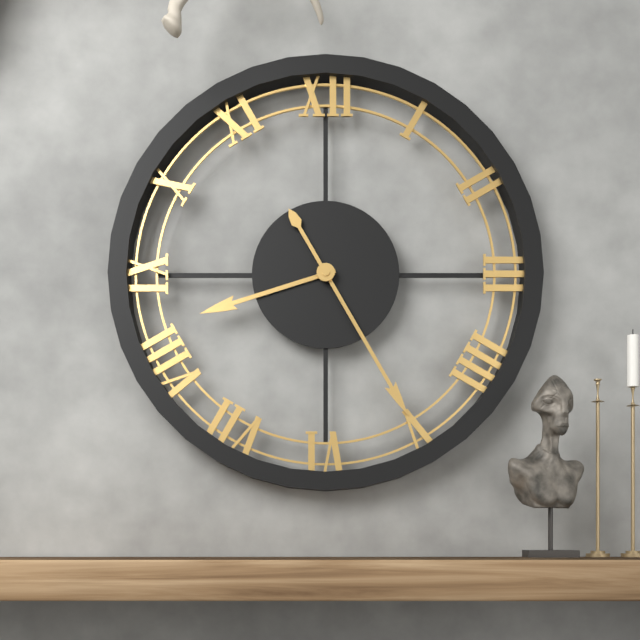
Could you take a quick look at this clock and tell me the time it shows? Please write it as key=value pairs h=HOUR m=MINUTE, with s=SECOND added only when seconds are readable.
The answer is h=8 m=25
